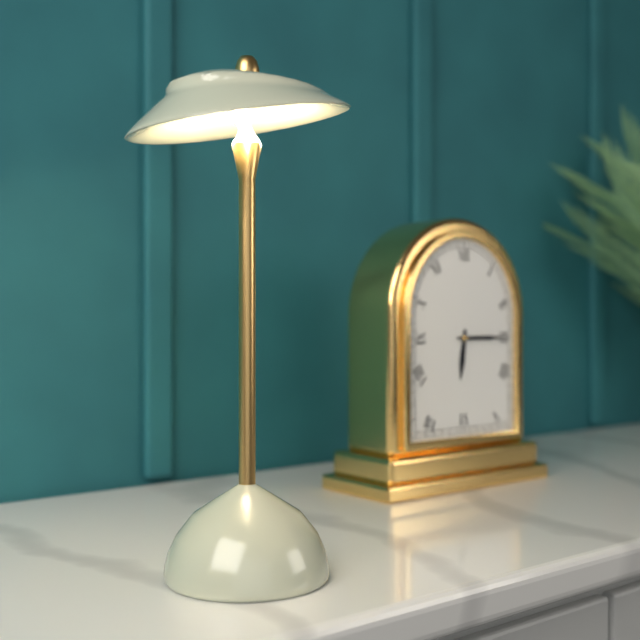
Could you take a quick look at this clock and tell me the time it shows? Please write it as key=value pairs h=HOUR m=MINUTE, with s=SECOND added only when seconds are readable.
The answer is h=6 m=15
